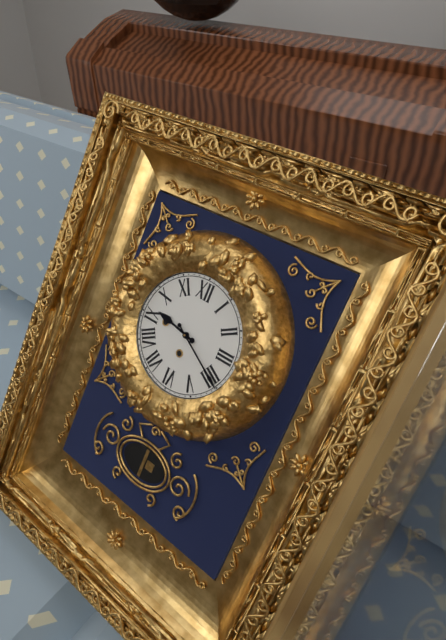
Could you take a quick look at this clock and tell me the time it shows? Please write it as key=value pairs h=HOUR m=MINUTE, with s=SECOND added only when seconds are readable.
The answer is h=9 m=20
